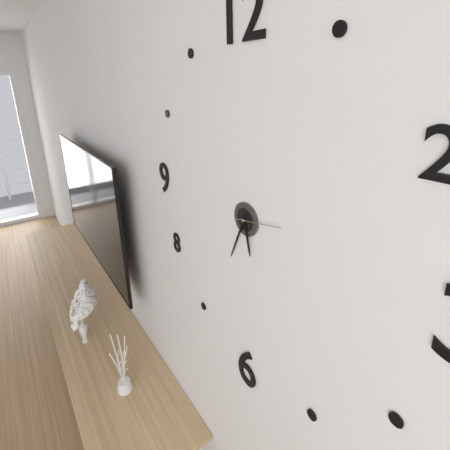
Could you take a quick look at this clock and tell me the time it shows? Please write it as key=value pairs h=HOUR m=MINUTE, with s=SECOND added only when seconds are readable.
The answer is h=5 m=34
